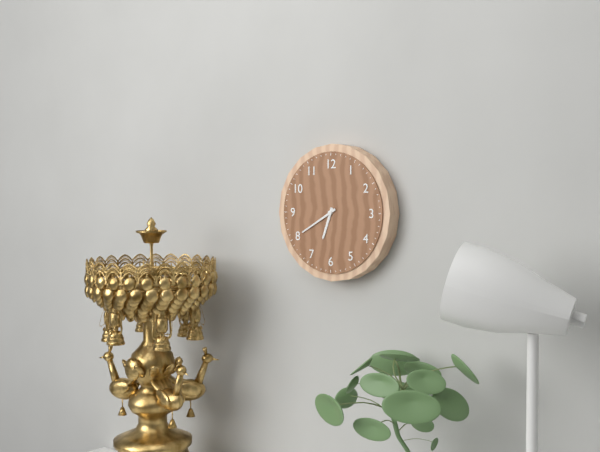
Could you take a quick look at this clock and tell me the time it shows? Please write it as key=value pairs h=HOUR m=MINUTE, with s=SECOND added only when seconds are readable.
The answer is h=6 m=40
